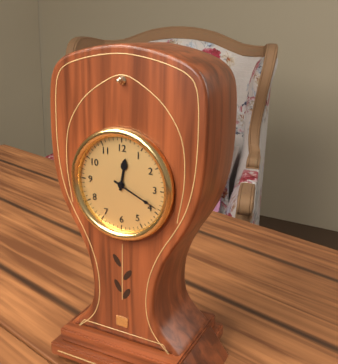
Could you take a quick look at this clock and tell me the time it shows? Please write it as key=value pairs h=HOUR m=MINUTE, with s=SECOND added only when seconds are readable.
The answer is h=12 m=19
